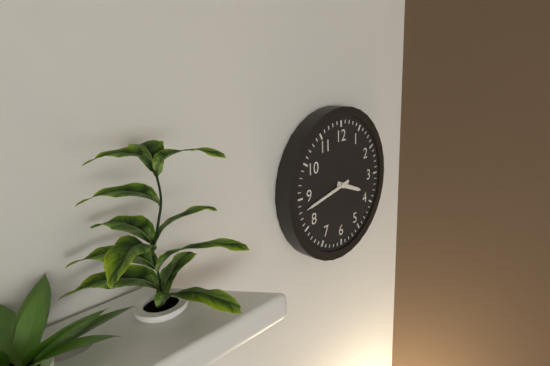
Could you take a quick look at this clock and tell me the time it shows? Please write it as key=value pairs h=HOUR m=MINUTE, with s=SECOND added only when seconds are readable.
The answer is h=3 m=43
